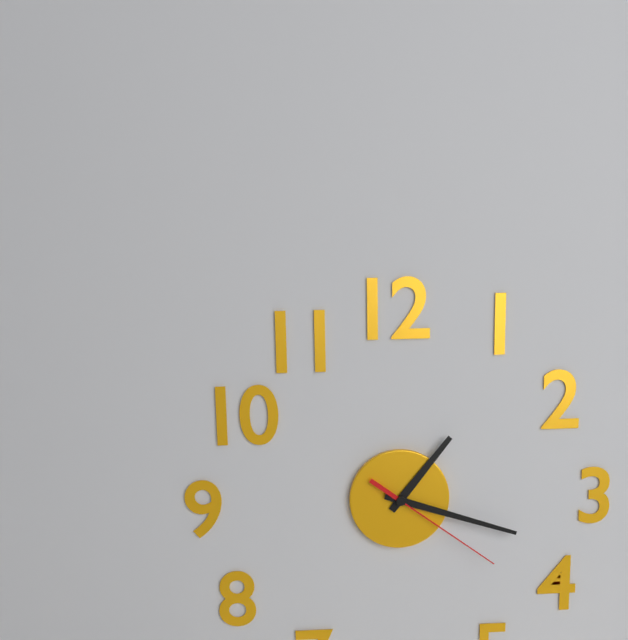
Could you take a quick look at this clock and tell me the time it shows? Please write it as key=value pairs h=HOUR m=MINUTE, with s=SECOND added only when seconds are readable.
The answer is h=1 m=18 s=21
